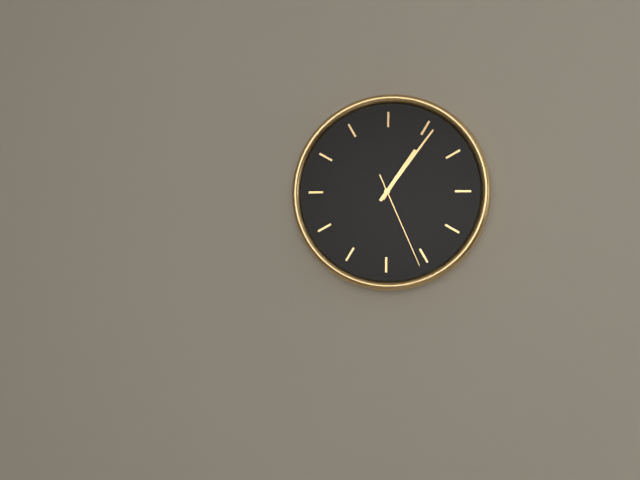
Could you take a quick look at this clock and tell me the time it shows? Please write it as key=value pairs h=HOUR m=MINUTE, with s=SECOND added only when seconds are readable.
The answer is h=1 m=6 s=26
